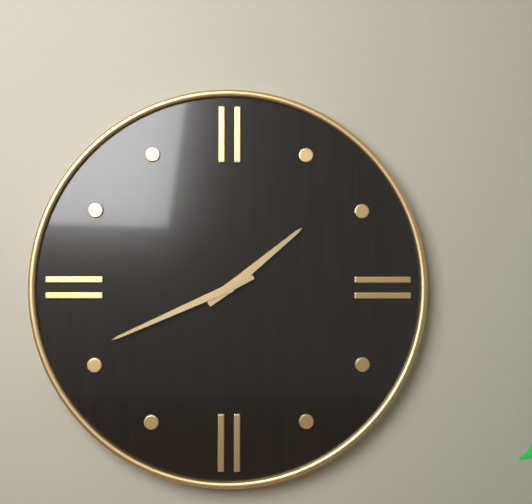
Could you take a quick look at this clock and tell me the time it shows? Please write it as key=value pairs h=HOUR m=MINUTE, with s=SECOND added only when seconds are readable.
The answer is h=1 m=41
